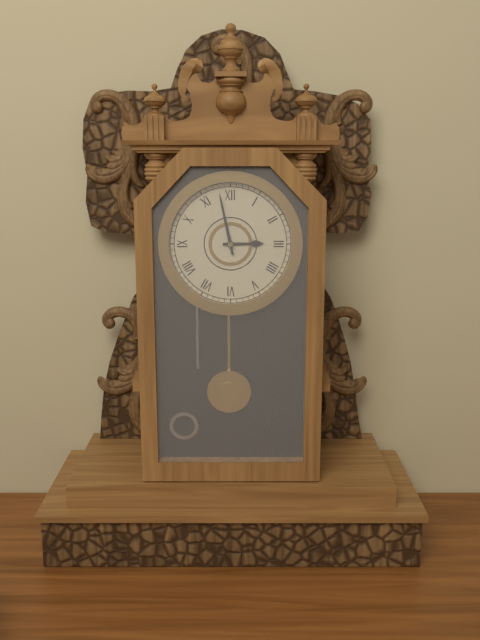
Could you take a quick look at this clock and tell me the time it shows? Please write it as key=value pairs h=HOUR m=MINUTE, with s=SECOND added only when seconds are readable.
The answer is h=2 m=58
